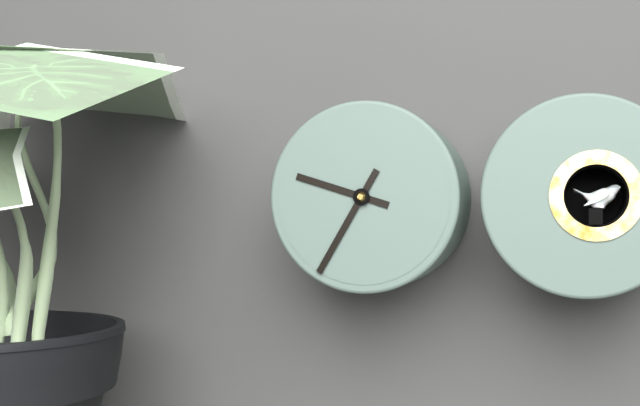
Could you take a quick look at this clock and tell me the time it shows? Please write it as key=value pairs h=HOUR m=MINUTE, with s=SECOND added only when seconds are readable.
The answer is h=9 m=35
